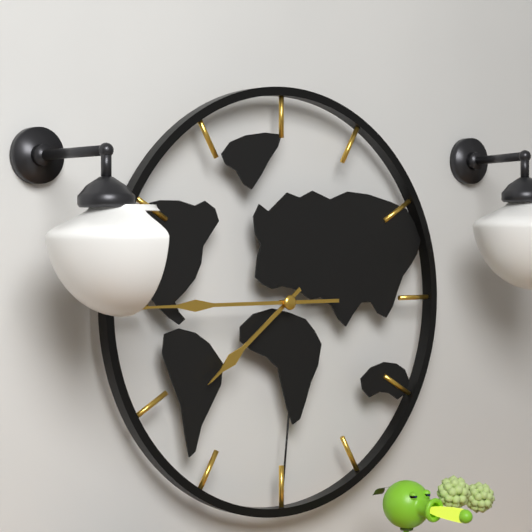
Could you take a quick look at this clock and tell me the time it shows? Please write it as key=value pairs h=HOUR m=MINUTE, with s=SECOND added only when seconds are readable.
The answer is h=7 m=45
